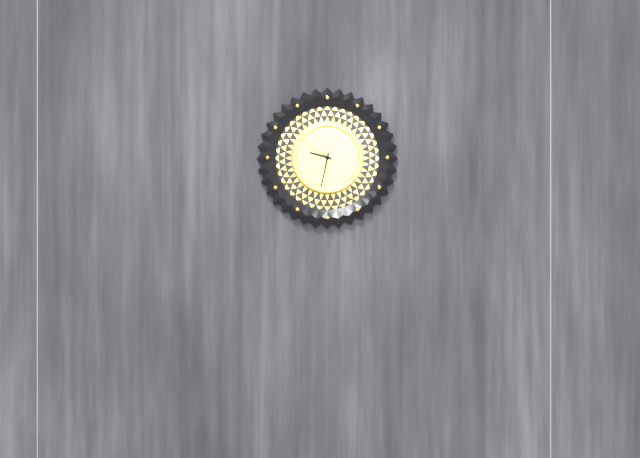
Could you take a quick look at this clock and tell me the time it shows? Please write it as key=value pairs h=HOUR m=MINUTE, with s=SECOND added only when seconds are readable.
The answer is h=9 m=32
